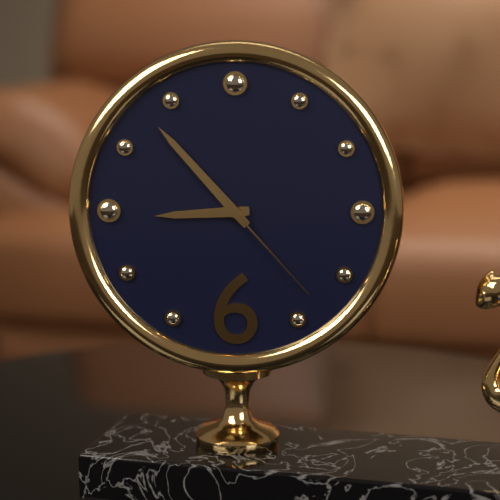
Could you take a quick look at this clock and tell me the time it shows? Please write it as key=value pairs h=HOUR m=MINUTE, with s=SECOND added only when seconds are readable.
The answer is h=8 m=53 s=23
